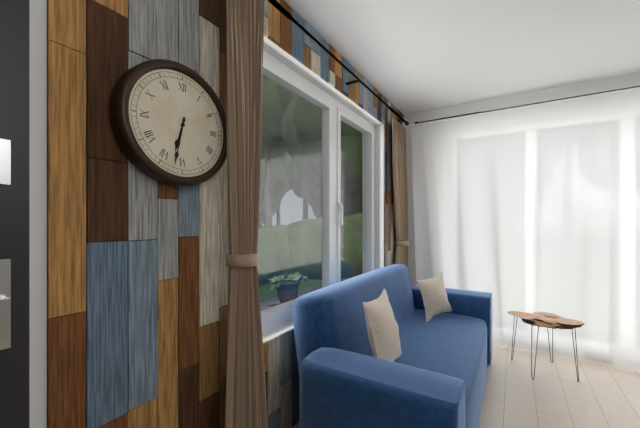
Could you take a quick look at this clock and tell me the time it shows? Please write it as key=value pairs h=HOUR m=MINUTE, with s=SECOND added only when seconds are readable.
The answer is h=6 m=32
